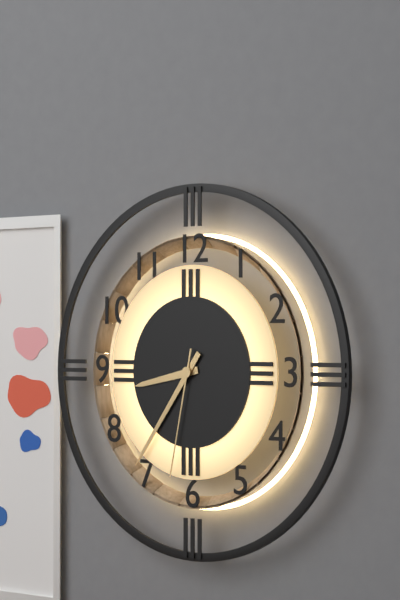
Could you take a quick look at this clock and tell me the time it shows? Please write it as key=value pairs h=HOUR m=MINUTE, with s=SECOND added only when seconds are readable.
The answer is h=8 m=36 s=32
